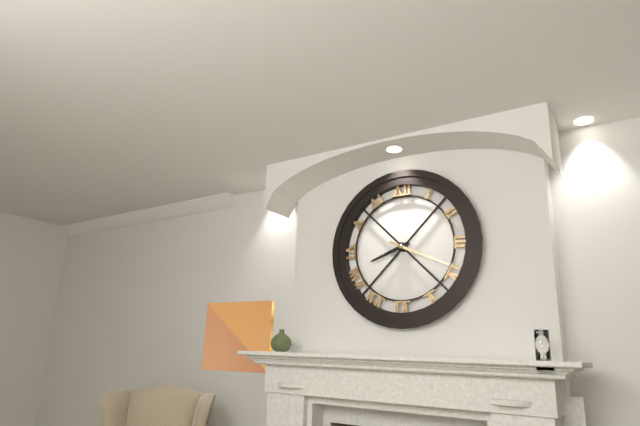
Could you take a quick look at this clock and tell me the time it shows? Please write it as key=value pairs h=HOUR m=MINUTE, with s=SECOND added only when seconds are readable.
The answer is h=8 m=19
